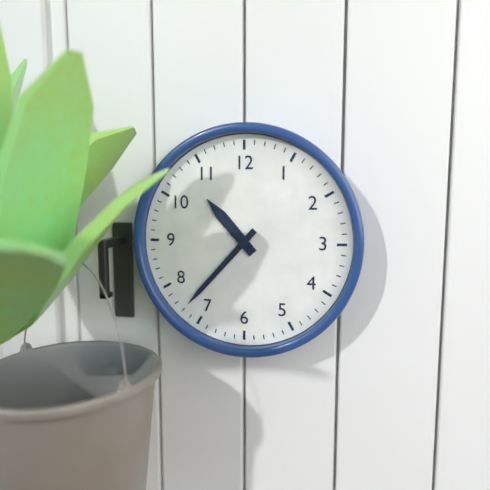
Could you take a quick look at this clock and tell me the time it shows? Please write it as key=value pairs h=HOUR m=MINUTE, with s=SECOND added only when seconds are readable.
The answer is h=10 m=37
